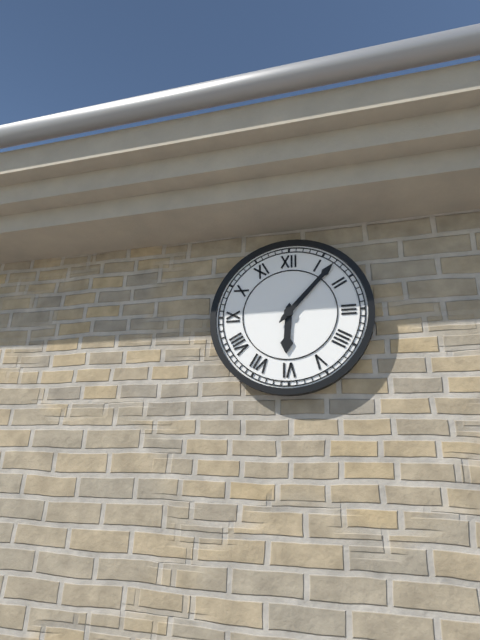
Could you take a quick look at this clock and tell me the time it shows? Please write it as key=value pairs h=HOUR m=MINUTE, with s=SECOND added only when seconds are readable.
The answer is h=6 m=7
